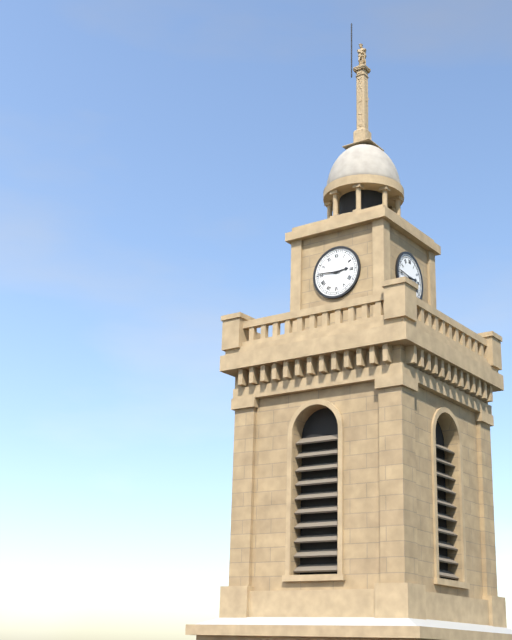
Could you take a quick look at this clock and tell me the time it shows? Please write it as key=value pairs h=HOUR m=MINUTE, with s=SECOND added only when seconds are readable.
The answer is h=2 m=46
